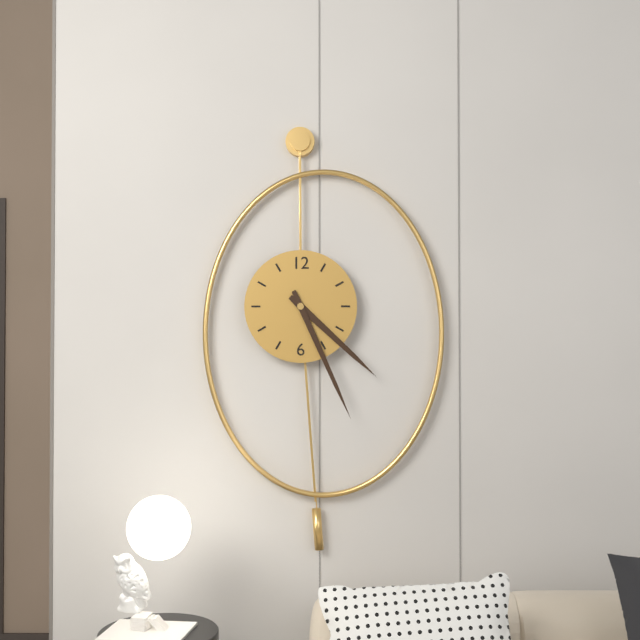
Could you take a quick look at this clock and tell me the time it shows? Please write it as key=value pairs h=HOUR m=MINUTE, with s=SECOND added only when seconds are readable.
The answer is h=4 m=26
